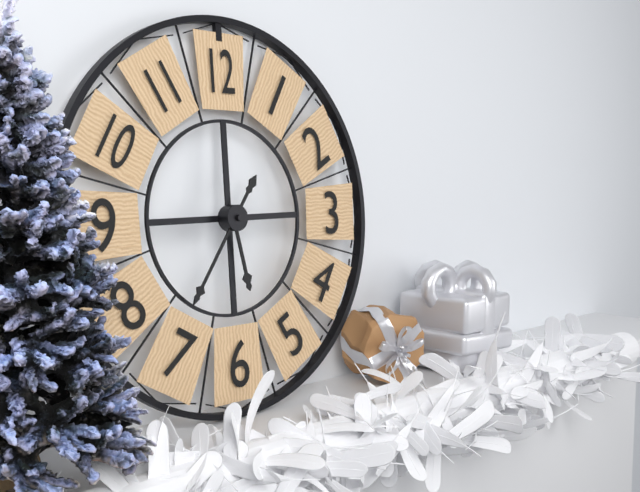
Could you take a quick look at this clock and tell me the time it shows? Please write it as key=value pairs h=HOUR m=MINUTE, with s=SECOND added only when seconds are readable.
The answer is h=5 m=36
